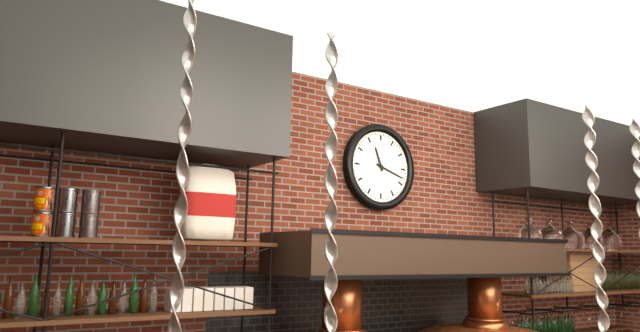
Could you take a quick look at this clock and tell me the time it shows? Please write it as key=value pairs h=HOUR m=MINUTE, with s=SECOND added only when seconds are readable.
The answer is h=11 m=18
